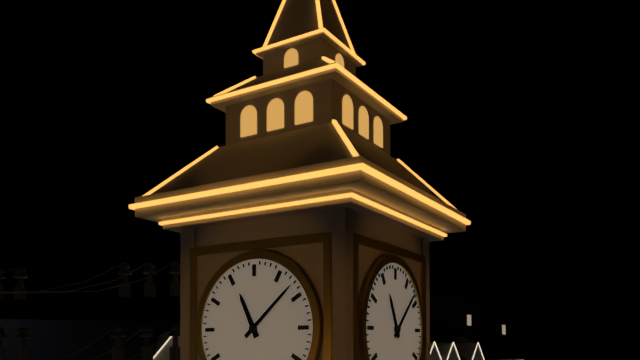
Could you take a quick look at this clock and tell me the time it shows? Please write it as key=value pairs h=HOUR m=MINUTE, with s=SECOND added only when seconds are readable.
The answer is h=11 m=8
